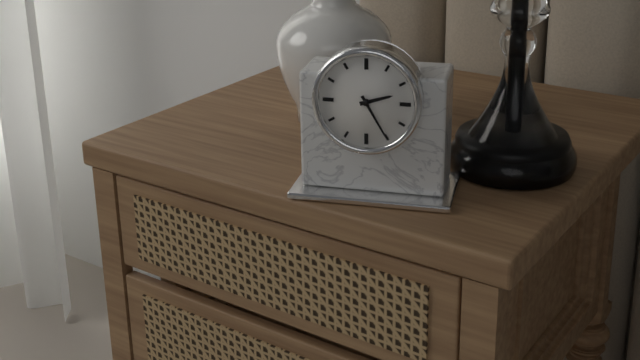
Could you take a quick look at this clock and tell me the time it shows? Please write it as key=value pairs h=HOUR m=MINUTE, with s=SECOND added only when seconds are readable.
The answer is h=2 m=25
